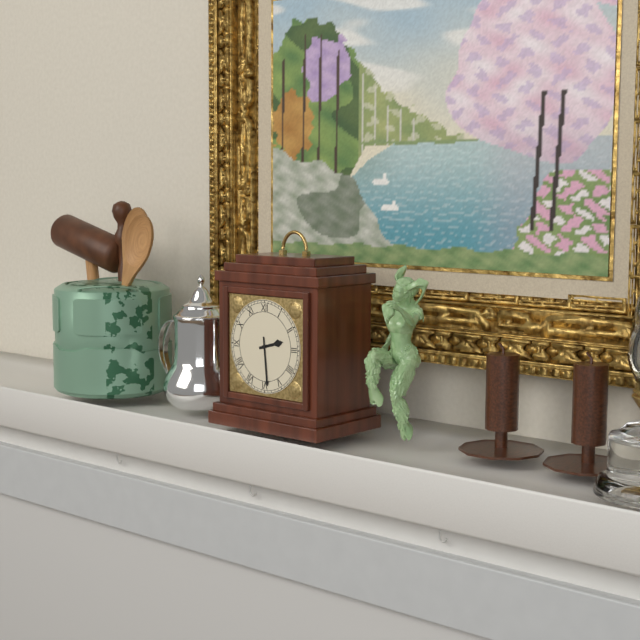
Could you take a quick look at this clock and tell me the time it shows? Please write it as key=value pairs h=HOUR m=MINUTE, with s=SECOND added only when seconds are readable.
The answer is h=2 m=29
